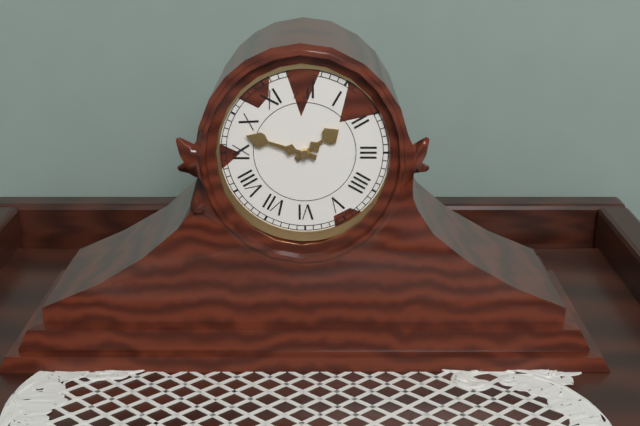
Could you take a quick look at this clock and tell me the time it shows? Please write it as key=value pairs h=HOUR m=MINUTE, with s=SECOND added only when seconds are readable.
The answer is h=1 m=48
